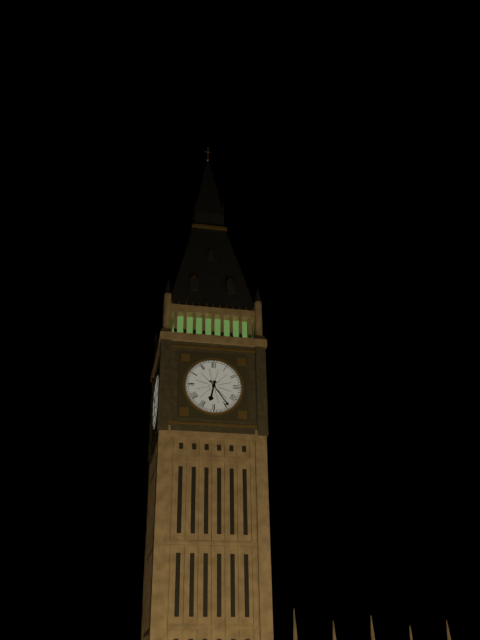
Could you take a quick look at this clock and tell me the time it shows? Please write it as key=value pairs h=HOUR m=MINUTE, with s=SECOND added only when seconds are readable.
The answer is h=6 m=24
